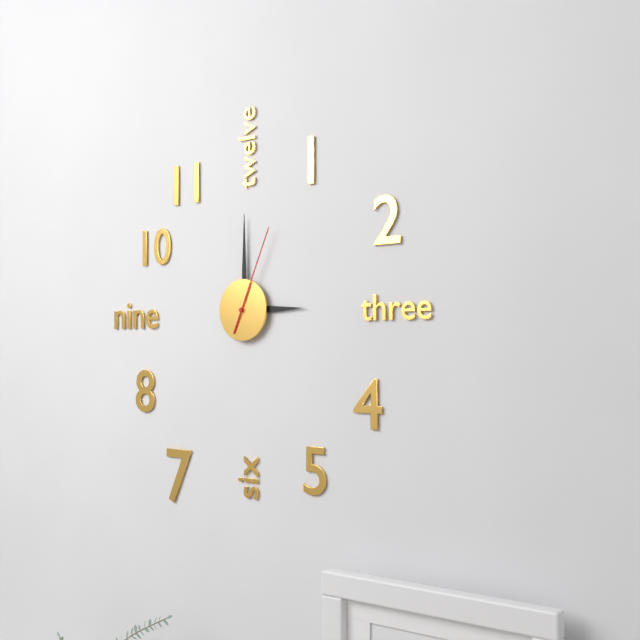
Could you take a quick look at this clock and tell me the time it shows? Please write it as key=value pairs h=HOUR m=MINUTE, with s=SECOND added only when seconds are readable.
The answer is h=3 m=0 s=4
